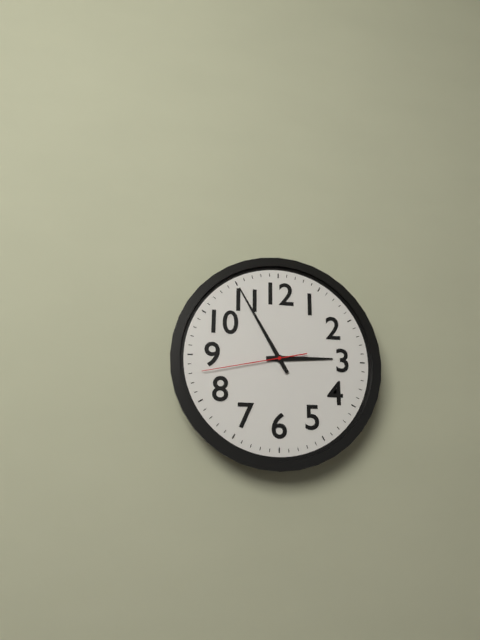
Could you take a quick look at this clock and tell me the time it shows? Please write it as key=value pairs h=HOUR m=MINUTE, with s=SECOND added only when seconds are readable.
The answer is h=2 m=55 s=43
